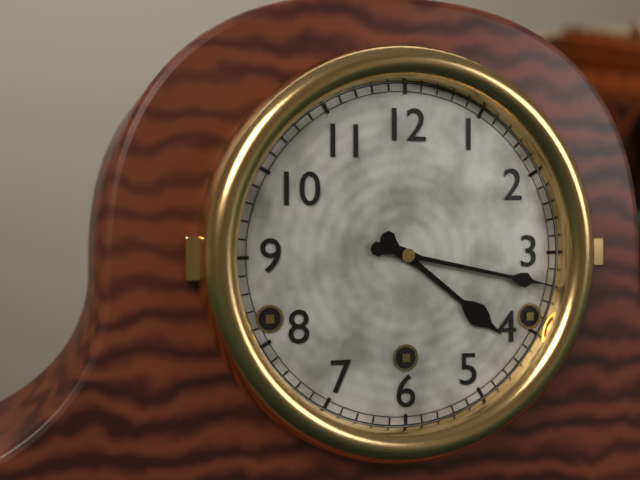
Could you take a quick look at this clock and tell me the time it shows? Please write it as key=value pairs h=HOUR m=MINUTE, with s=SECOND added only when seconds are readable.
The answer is h=4 m=17
